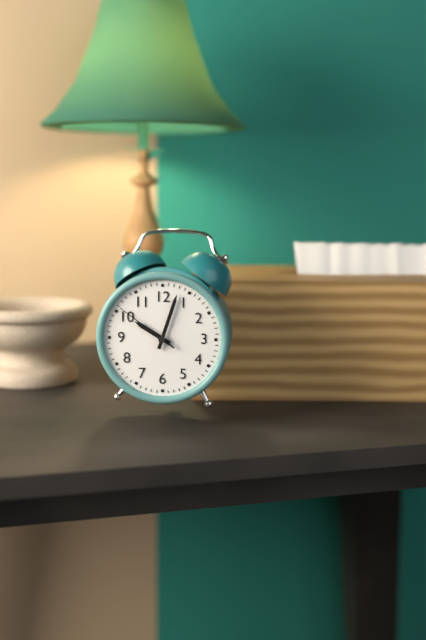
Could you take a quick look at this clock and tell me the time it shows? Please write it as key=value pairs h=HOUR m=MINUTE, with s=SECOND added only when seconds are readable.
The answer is h=10 m=3 s=51
